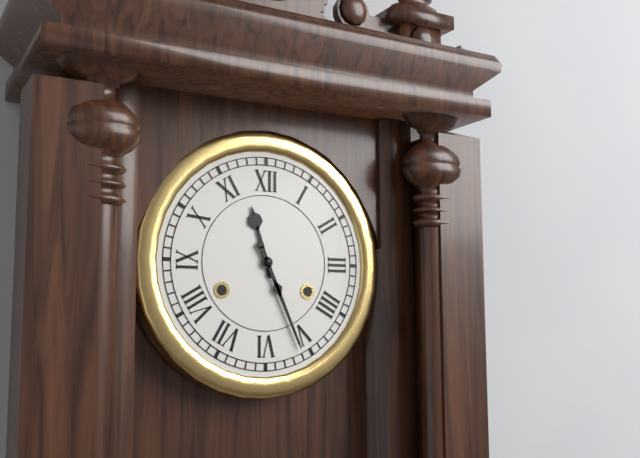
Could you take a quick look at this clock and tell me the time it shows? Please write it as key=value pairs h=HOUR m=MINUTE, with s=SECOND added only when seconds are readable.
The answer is h=11 m=26
